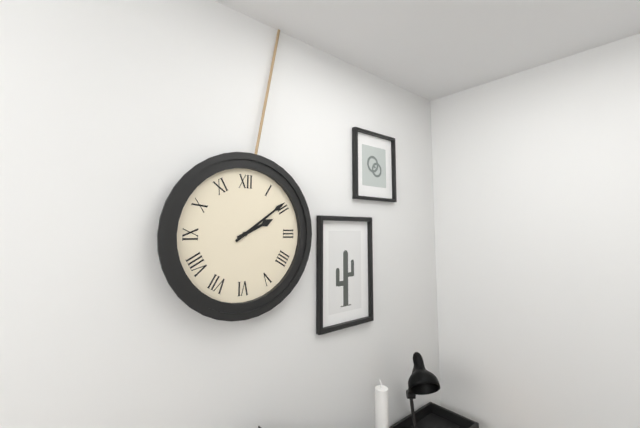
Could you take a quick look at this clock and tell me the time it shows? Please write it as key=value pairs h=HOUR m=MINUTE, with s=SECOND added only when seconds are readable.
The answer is h=2 m=9
